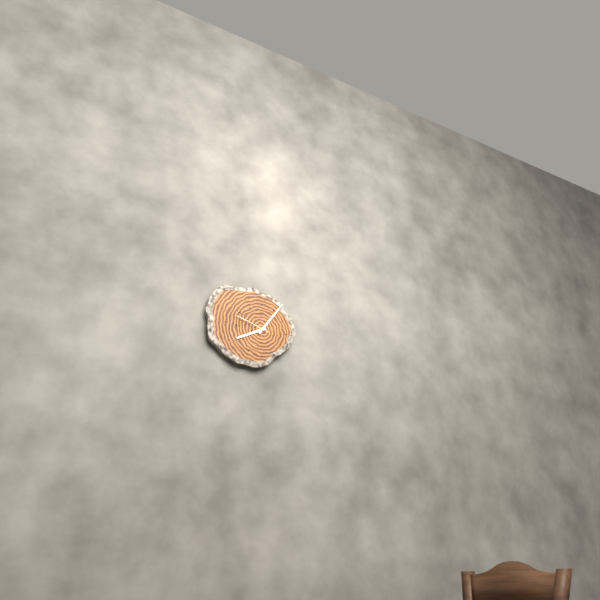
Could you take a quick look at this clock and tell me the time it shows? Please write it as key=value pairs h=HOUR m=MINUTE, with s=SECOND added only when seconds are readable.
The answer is h=8 m=6
